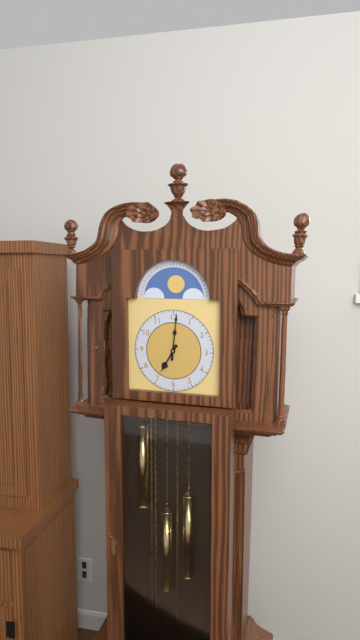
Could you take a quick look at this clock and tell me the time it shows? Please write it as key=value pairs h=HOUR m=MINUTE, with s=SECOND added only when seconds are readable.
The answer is h=7 m=1
